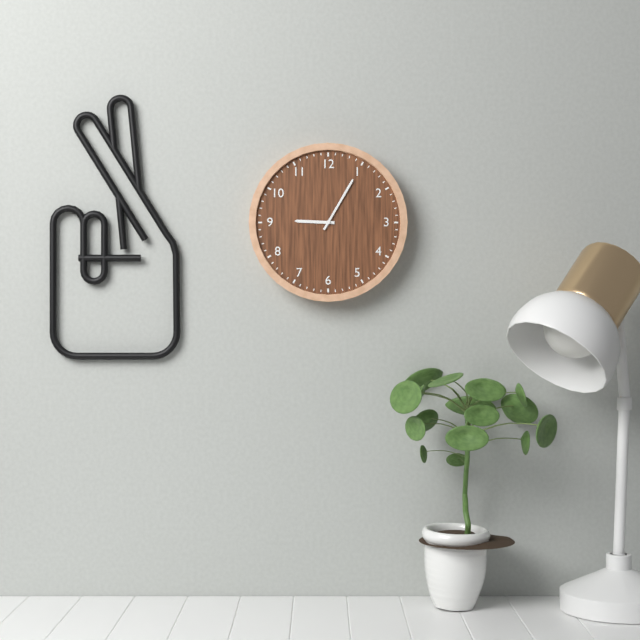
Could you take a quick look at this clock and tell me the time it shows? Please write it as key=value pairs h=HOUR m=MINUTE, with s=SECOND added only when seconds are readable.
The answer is h=9 m=5
